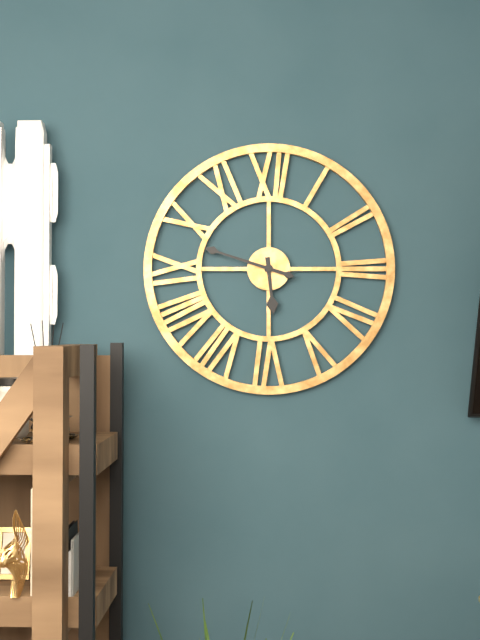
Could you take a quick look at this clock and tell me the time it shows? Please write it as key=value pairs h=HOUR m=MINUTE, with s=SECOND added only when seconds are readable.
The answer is h=5 m=48
